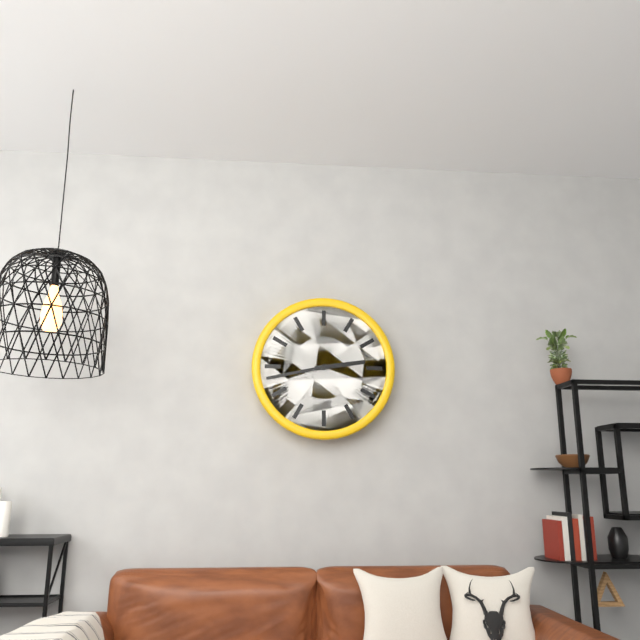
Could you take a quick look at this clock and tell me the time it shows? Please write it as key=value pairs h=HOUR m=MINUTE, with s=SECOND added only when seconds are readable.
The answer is h=2 m=43
